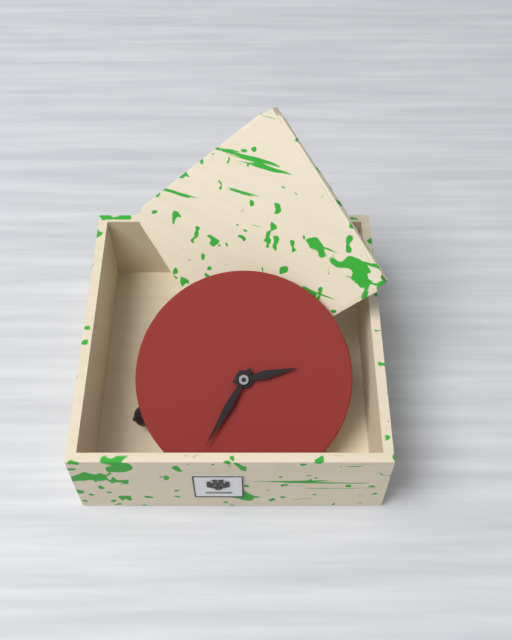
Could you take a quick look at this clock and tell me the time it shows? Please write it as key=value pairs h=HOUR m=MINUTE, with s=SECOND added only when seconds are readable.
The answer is h=2 m=35
